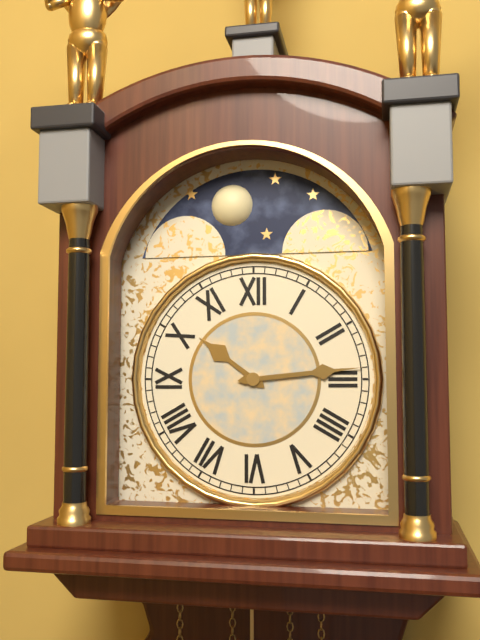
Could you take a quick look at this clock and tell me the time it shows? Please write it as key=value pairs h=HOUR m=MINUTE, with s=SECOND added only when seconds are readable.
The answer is h=10 m=14
